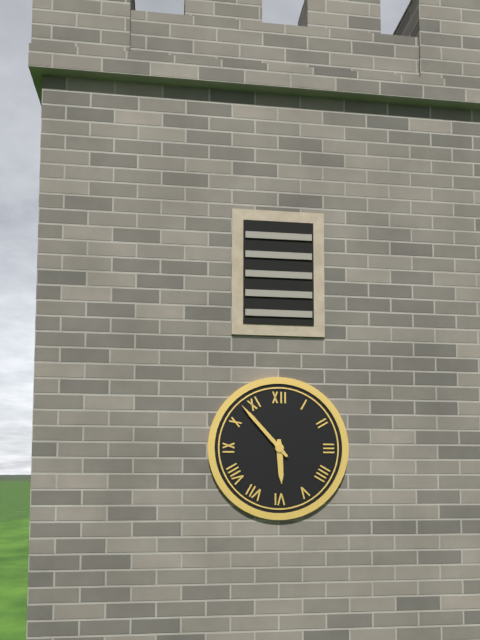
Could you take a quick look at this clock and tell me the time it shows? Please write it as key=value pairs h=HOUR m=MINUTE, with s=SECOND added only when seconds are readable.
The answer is h=5 m=53
